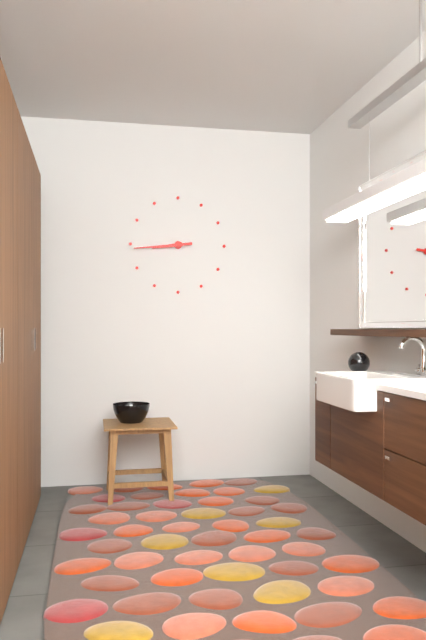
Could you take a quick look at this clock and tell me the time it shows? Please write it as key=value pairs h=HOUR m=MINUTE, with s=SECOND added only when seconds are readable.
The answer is h=8 m=44
